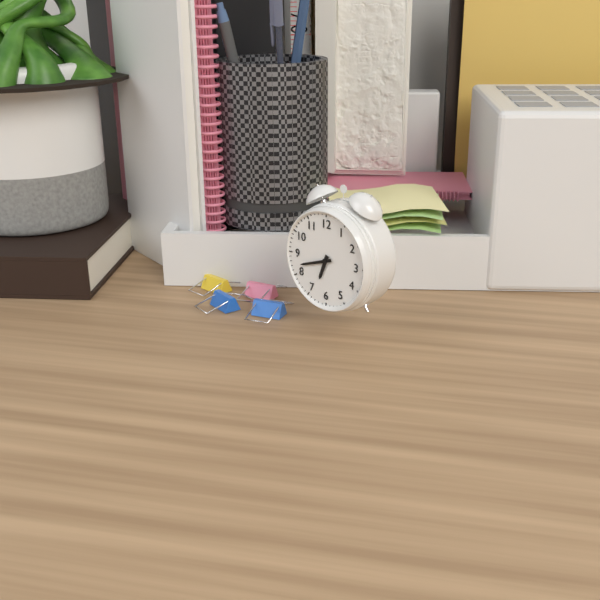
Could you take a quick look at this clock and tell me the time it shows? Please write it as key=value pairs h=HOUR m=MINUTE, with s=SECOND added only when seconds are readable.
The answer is h=6 m=42
